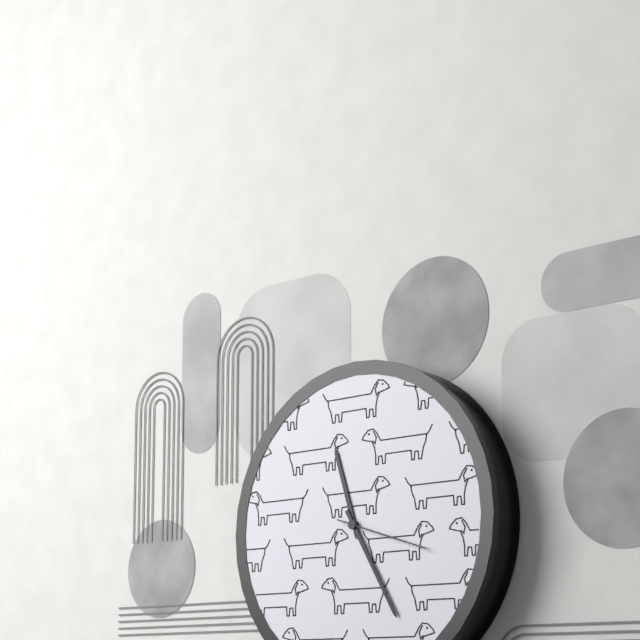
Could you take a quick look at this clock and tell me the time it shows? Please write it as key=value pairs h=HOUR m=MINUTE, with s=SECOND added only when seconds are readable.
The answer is h=11 m=25 s=18
